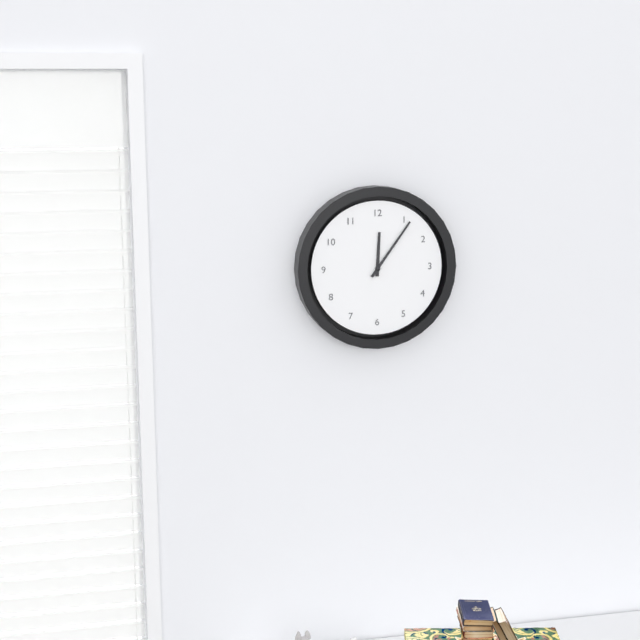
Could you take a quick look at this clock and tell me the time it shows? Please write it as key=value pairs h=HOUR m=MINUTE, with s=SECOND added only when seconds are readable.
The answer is h=12 m=6
